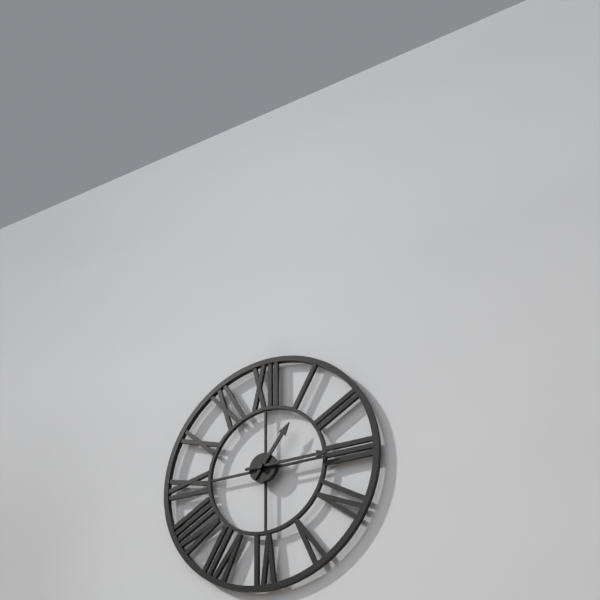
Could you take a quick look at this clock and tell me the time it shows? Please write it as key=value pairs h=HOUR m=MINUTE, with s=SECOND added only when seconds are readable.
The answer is h=1 m=15
